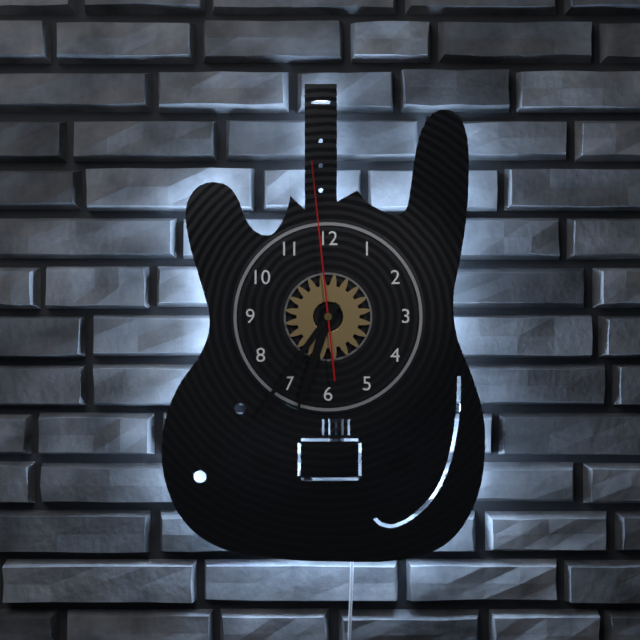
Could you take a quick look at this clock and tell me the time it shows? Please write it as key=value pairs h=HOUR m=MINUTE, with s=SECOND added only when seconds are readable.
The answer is h=6 m=36 s=59
